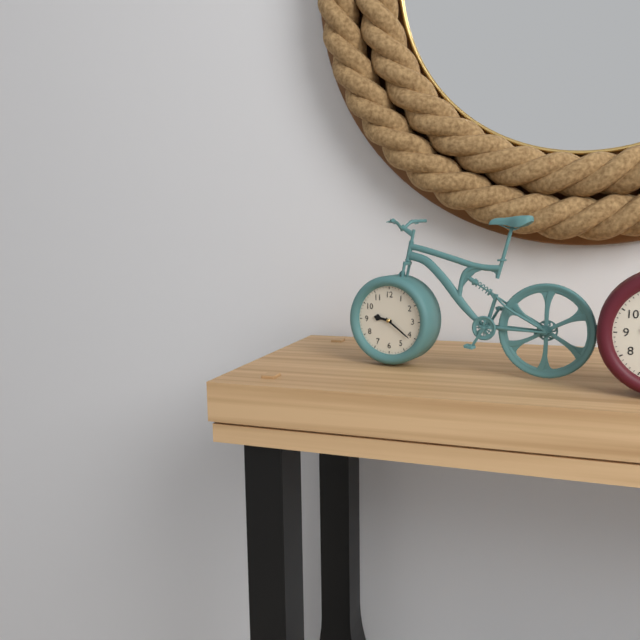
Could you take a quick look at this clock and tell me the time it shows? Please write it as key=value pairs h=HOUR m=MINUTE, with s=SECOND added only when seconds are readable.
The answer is h=9 m=21
